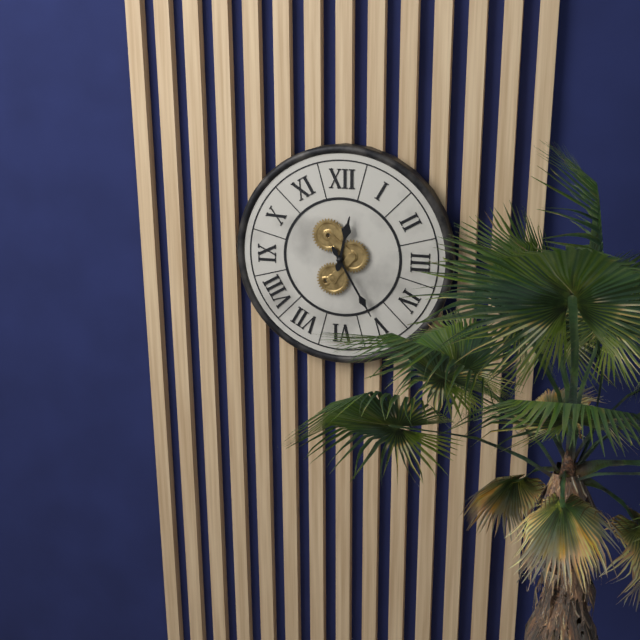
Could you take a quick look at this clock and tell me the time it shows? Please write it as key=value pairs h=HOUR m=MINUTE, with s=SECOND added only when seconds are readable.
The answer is h=12 m=25
